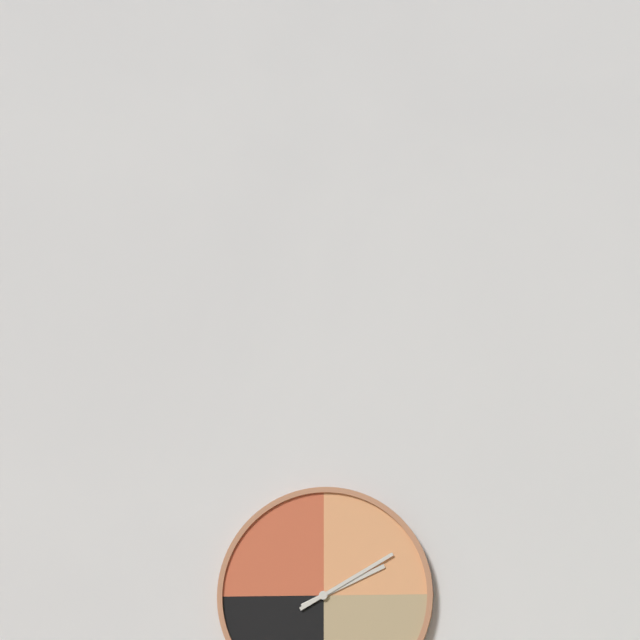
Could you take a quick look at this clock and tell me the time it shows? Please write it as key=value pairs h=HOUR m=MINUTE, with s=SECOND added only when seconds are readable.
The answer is h=2 m=10
